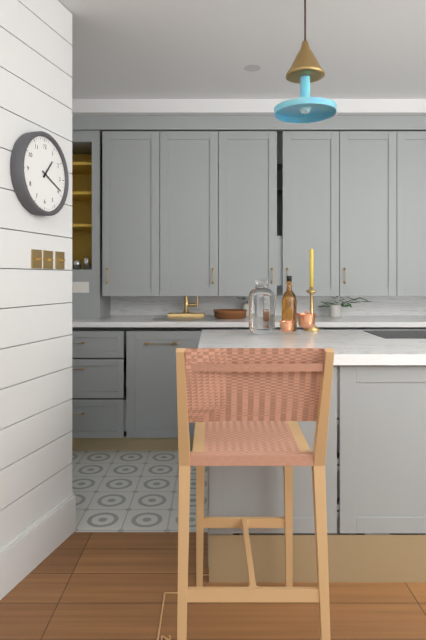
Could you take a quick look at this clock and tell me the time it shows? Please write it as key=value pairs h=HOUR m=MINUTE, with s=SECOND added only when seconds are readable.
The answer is h=1 m=19
